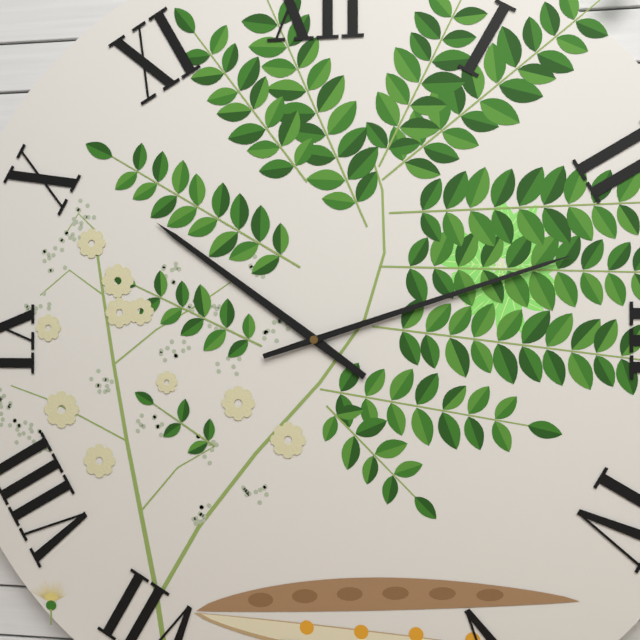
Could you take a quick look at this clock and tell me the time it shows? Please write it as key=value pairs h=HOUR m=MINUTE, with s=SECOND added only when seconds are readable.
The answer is h=10 m=12
